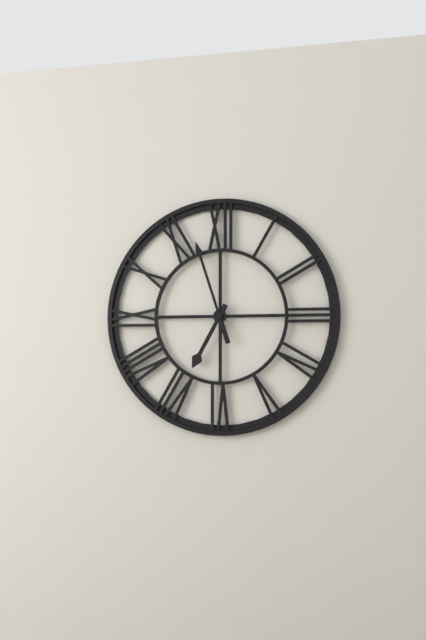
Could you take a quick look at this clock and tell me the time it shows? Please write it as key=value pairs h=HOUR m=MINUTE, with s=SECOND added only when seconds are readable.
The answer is h=6 m=57
